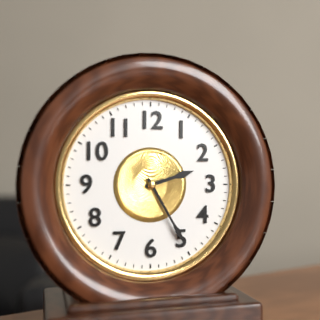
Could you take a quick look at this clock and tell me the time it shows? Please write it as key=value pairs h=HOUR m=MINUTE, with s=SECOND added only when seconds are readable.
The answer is h=2 m=25
